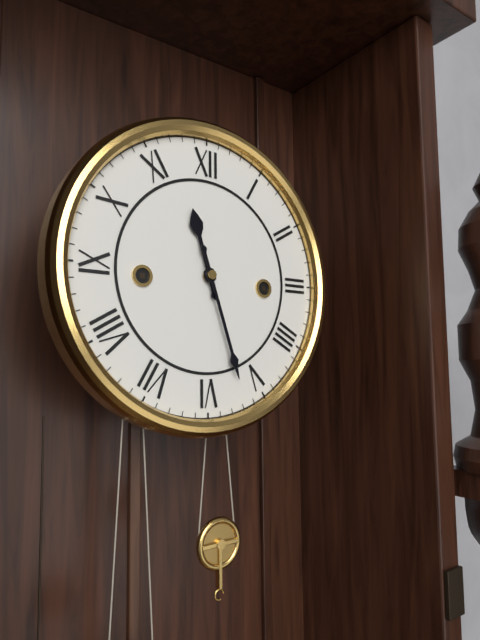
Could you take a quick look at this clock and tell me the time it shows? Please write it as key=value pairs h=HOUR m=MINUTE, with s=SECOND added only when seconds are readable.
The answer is h=11 m=27
